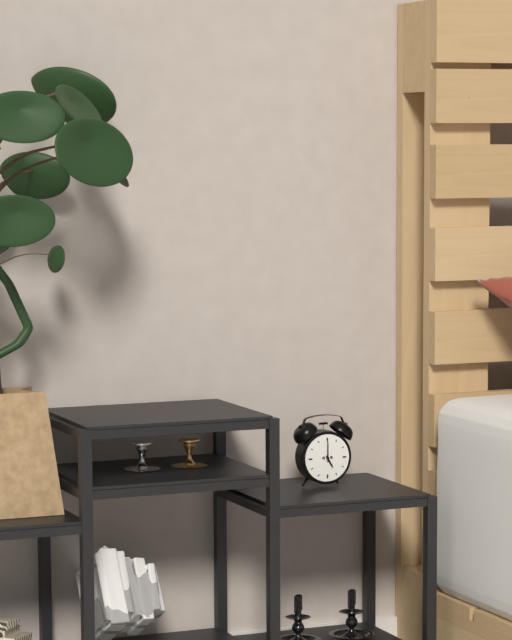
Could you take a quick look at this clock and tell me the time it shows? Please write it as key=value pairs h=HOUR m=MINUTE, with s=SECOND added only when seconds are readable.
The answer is h=5 m=0
